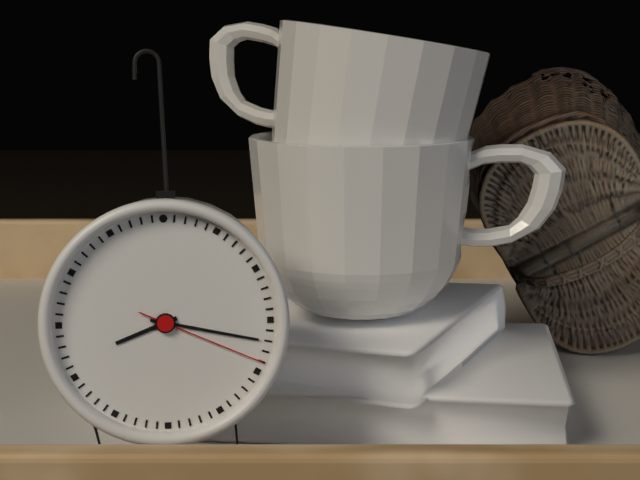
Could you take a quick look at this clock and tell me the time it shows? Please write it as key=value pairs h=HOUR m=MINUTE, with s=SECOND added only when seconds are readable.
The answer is h=8 m=17 s=19
